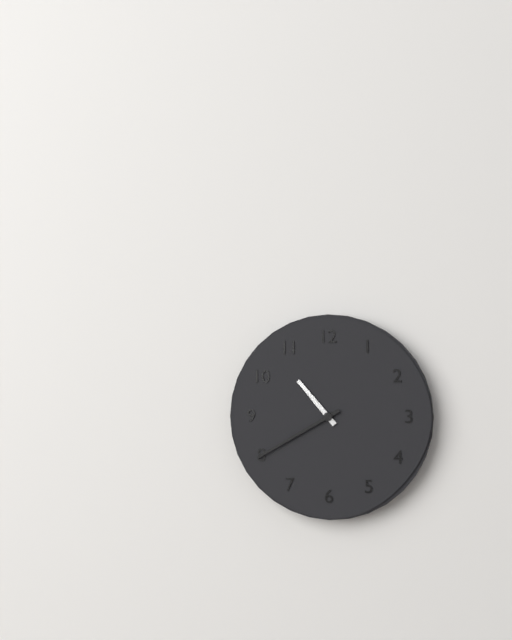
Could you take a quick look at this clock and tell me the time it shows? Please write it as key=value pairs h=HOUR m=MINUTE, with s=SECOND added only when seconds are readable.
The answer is h=10 m=40
